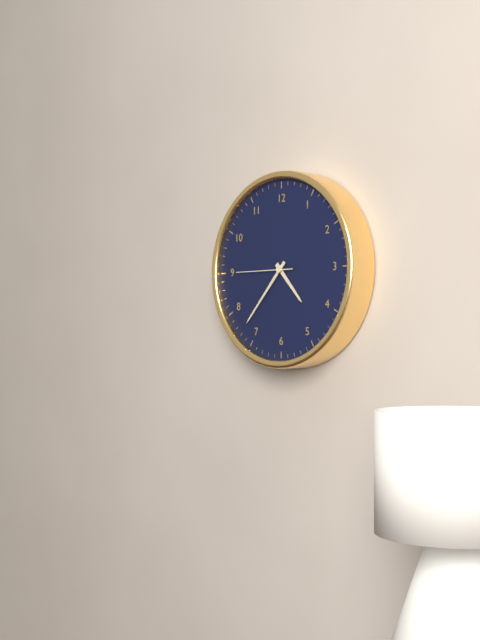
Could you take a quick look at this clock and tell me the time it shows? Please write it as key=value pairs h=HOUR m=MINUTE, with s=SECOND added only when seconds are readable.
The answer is h=4 m=37 s=45
